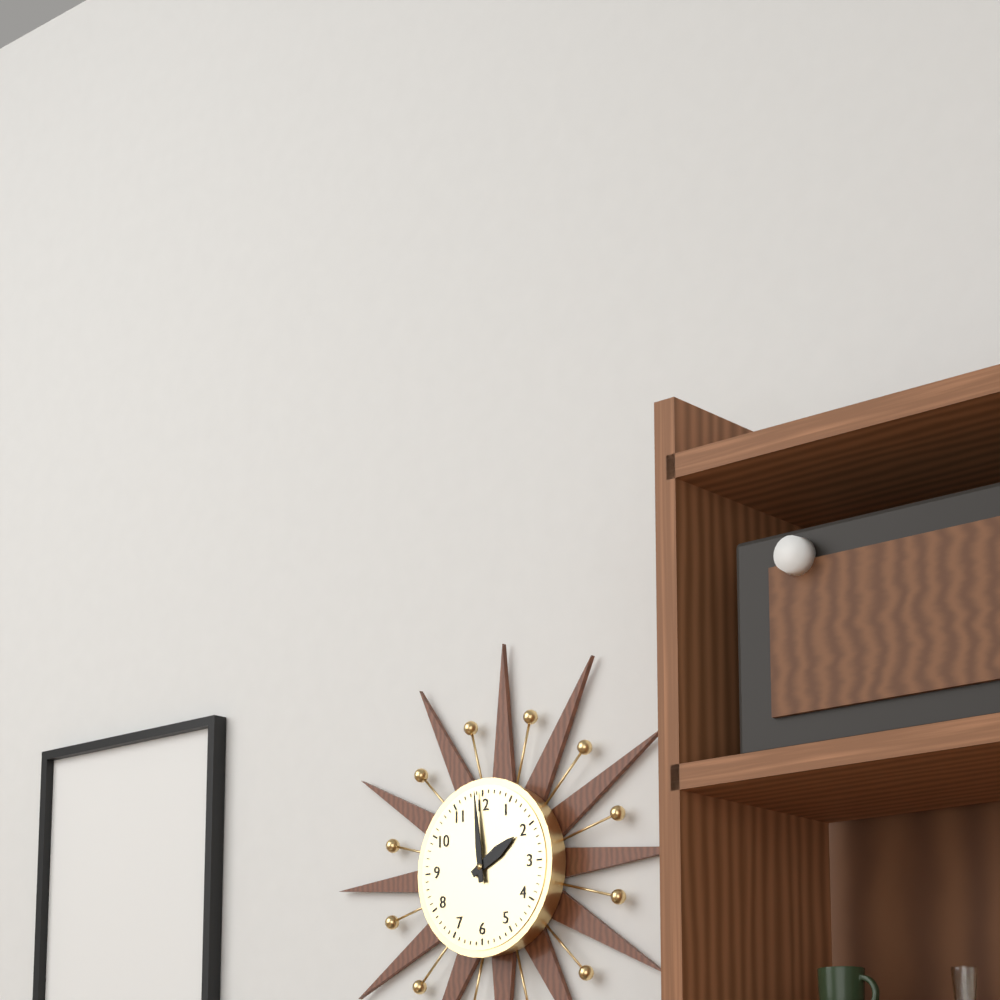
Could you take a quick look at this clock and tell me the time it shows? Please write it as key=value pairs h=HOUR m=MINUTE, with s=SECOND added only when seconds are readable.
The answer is h=1 m=59
